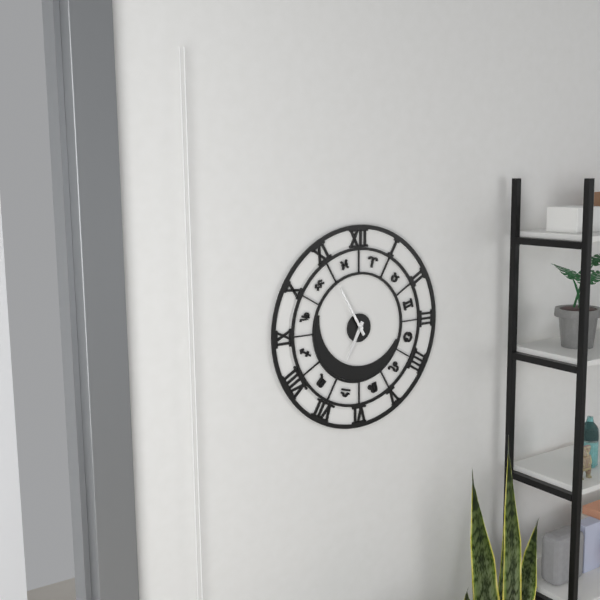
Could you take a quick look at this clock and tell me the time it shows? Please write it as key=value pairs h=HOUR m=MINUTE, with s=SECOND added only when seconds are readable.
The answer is h=6 m=55
